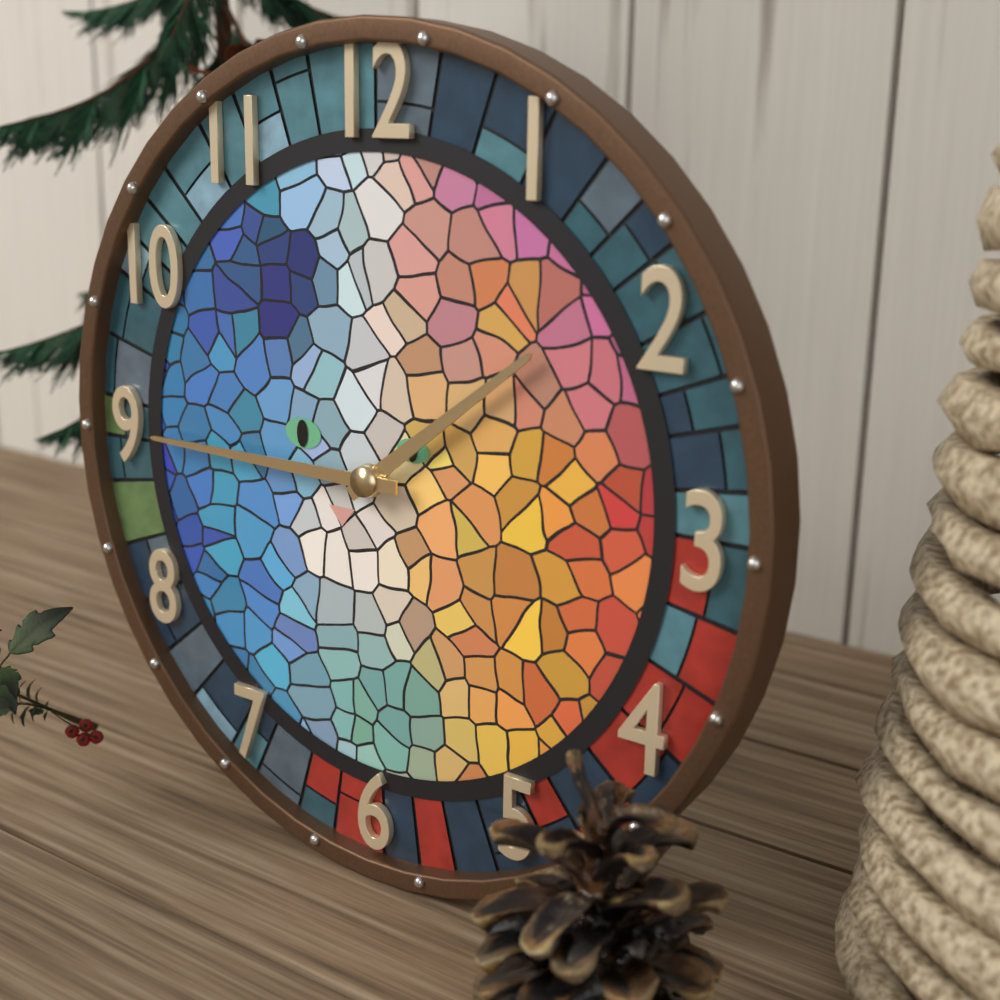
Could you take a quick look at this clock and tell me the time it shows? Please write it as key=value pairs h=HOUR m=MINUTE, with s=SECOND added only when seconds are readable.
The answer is h=1 m=45
